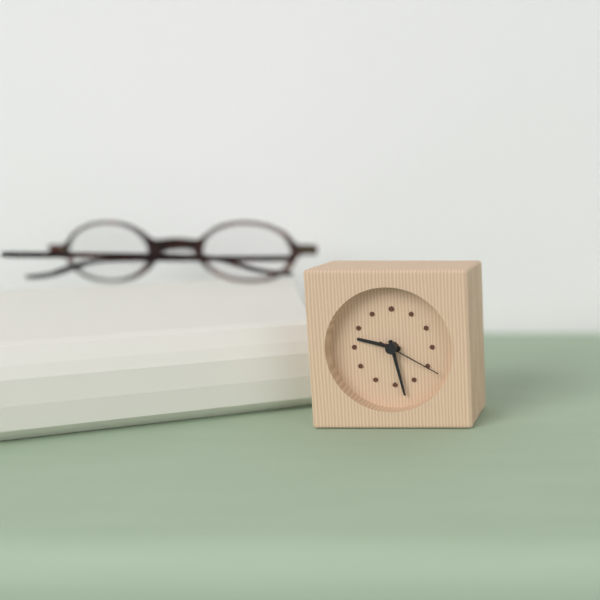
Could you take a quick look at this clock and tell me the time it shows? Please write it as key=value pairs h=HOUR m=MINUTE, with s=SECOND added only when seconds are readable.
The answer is h=9 m=28 s=20
